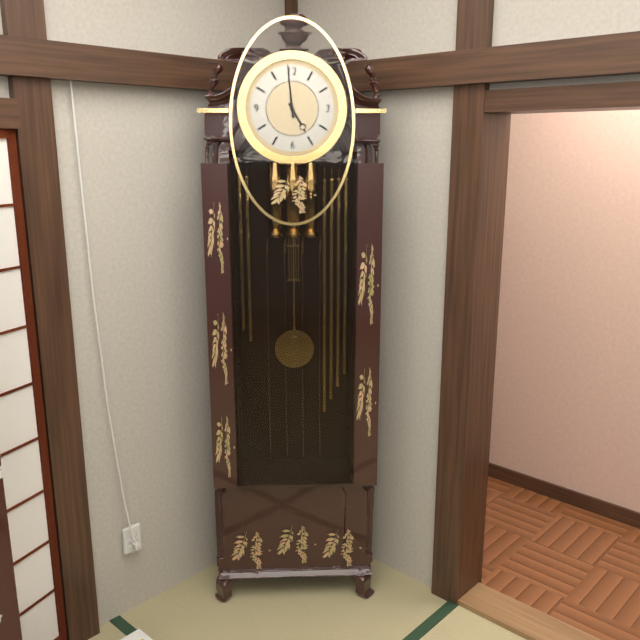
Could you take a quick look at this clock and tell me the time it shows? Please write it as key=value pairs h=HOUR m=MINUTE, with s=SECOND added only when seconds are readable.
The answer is h=4 m=59
